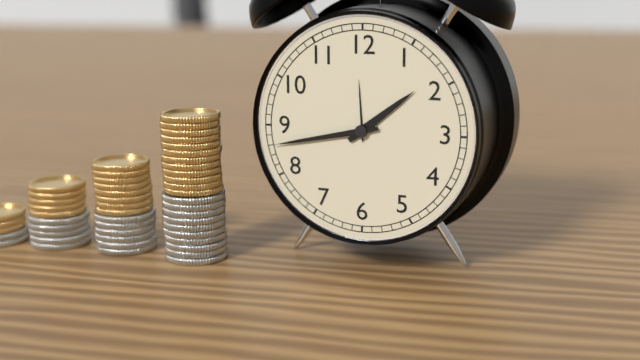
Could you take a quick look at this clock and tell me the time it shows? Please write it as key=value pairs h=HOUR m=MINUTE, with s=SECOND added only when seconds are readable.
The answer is h=1 m=43
